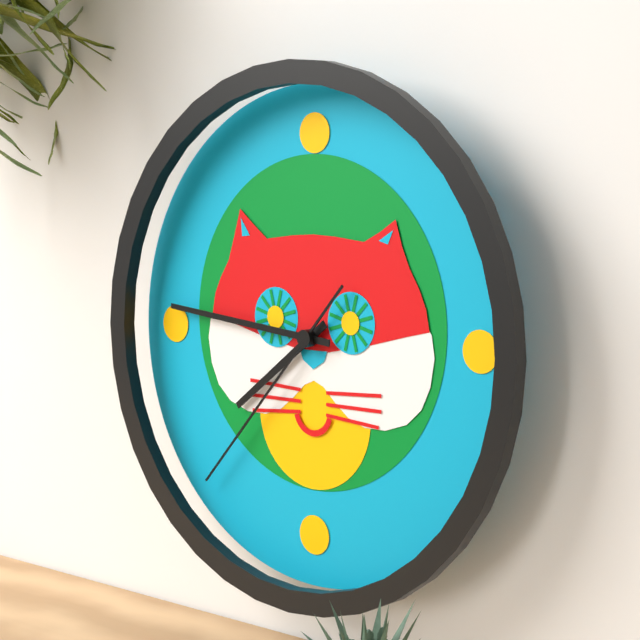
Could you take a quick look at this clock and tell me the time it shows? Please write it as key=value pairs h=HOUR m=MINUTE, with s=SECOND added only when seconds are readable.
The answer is h=7 m=46 s=37
